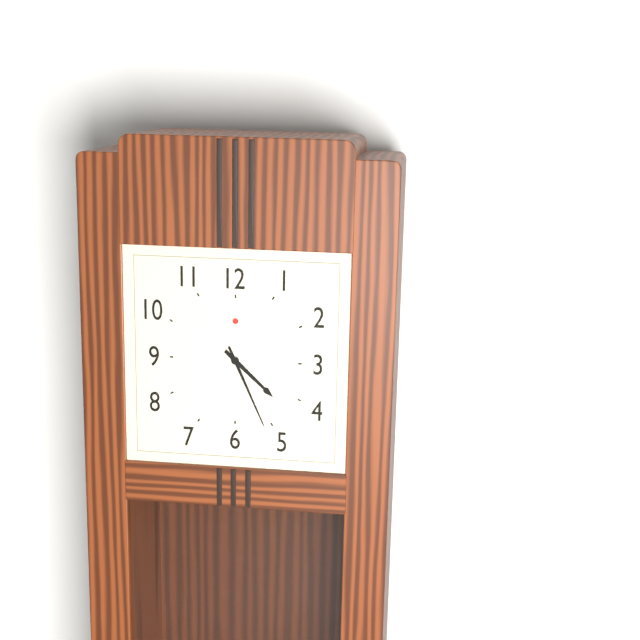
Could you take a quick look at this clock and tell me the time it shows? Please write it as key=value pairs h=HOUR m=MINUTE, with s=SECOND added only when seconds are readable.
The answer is h=4 m=26
